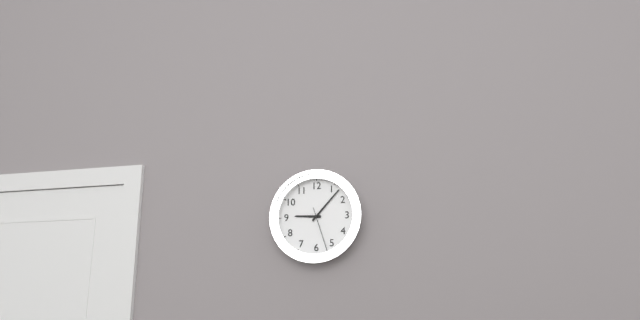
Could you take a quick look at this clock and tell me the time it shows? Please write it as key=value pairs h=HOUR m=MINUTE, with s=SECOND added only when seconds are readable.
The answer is h=9 m=7
